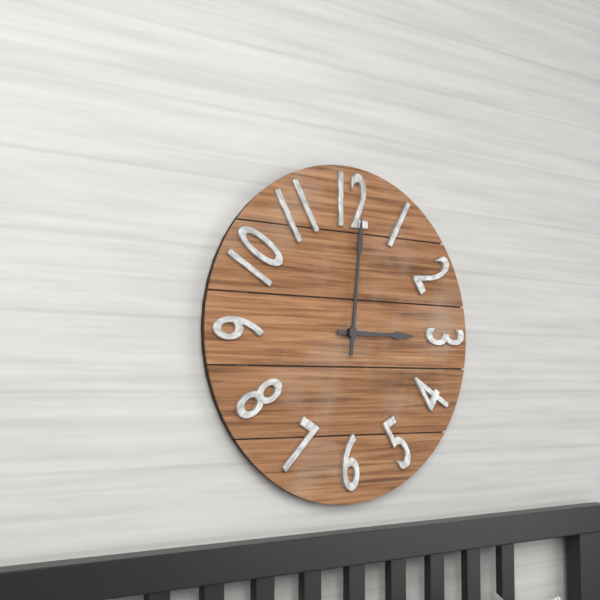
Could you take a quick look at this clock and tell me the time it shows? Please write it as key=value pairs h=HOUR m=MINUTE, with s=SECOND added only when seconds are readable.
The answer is h=3 m=1
